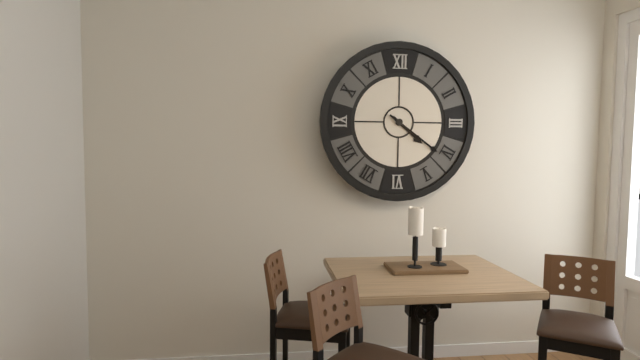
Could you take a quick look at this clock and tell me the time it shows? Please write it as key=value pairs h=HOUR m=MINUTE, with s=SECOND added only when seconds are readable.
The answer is h=4 m=21
